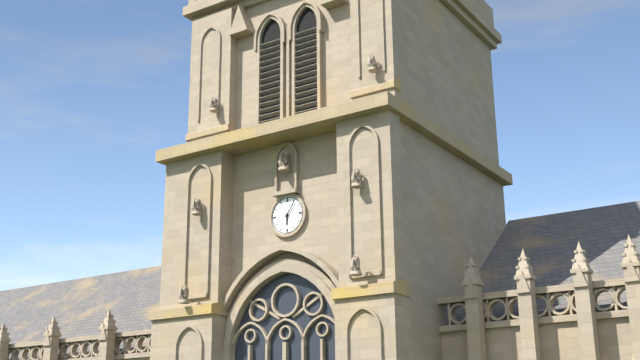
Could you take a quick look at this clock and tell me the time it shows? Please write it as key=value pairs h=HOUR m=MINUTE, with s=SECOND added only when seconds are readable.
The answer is h=6 m=6
